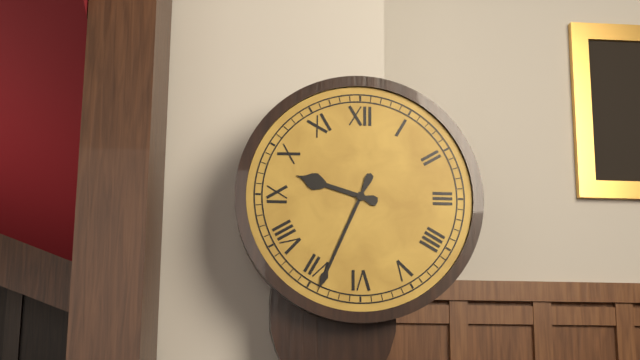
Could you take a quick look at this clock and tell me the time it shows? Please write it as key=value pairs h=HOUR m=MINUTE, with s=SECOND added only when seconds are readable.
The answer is h=9 m=34
